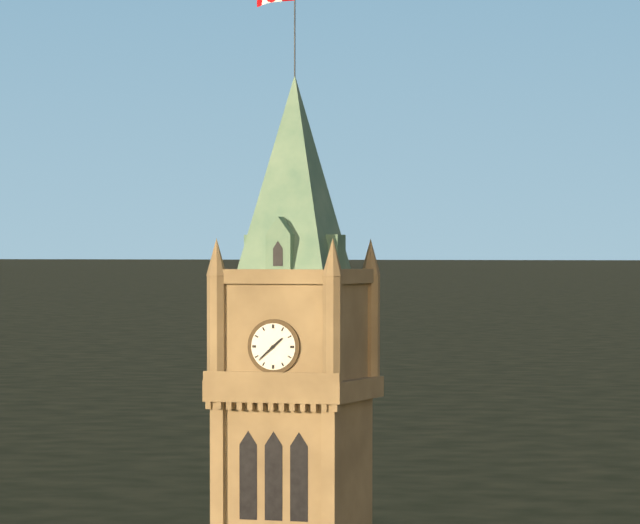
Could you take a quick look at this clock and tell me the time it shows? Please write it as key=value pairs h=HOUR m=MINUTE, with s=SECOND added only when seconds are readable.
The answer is h=1 m=38
